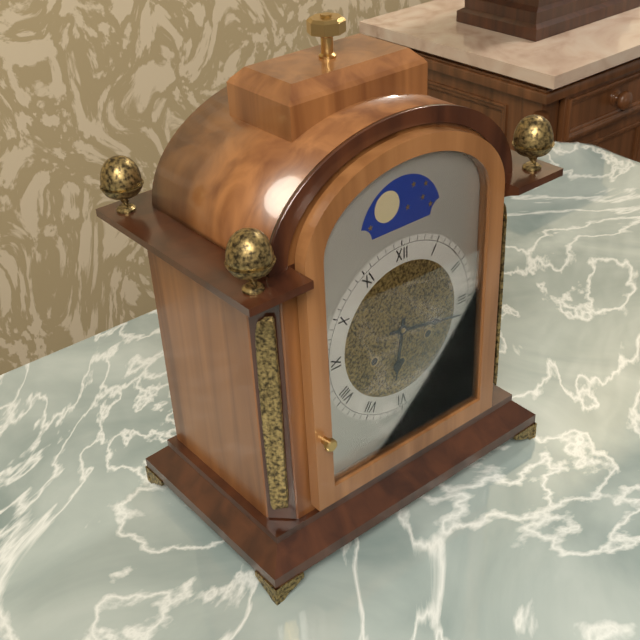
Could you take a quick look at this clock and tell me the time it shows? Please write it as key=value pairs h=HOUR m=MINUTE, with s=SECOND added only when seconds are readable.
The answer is h=6 m=17
